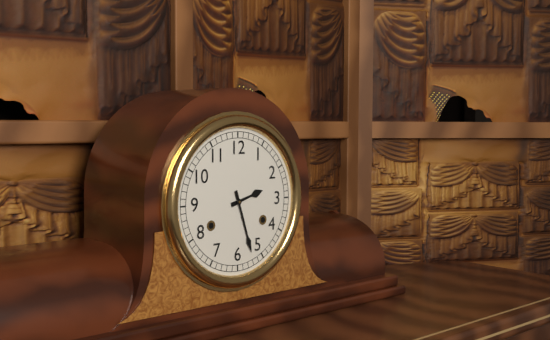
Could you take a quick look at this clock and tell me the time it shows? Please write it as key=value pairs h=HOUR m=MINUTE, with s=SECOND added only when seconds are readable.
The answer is h=2 m=27
